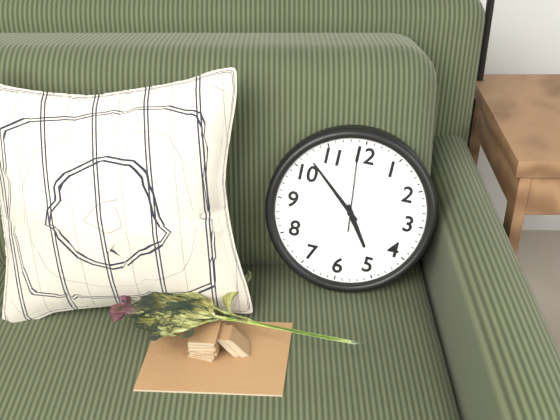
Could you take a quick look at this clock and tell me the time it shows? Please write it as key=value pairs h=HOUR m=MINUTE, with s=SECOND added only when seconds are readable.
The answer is h=4 m=52 s=59
